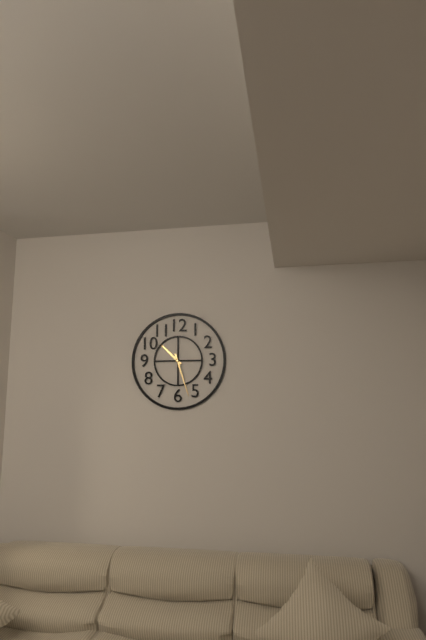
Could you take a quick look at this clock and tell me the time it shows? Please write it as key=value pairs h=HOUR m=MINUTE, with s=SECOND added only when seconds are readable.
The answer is h=10 m=27
